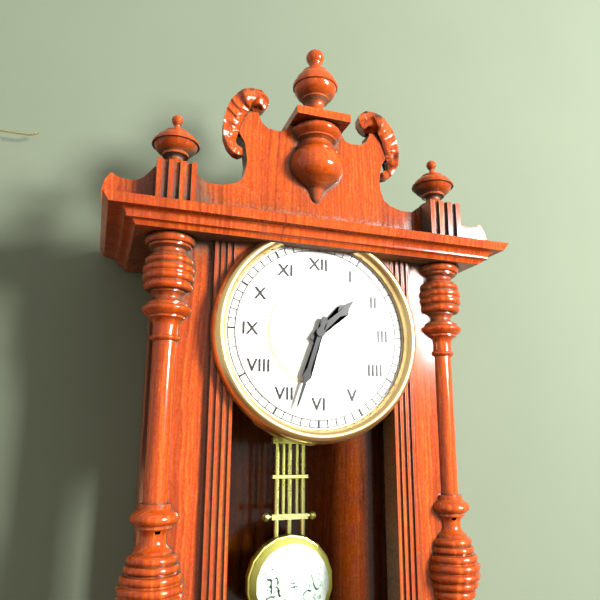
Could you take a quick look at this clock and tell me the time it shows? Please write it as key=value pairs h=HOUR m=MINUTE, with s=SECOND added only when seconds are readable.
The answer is h=1 m=33
